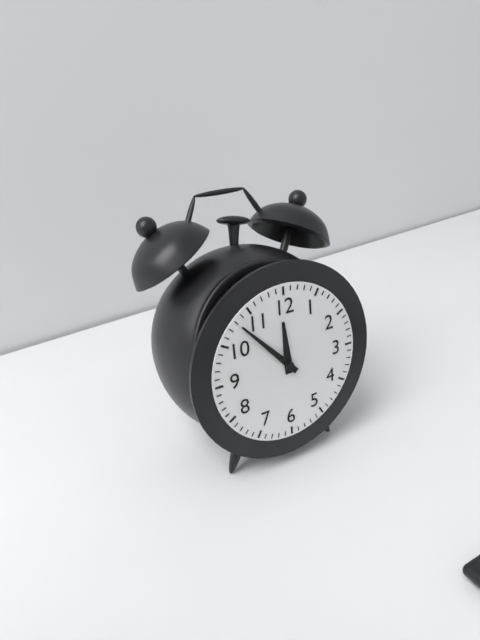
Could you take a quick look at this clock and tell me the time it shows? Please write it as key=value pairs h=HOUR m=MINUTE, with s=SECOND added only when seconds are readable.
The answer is h=11 m=53
